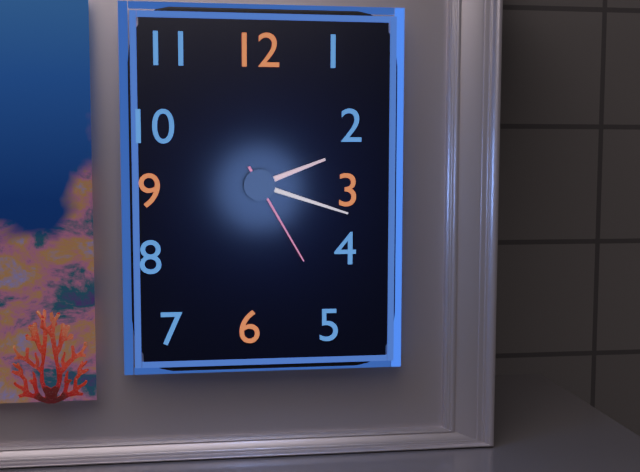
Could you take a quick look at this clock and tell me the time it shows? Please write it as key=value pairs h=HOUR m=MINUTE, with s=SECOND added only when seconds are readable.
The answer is h=2 m=18 s=25
